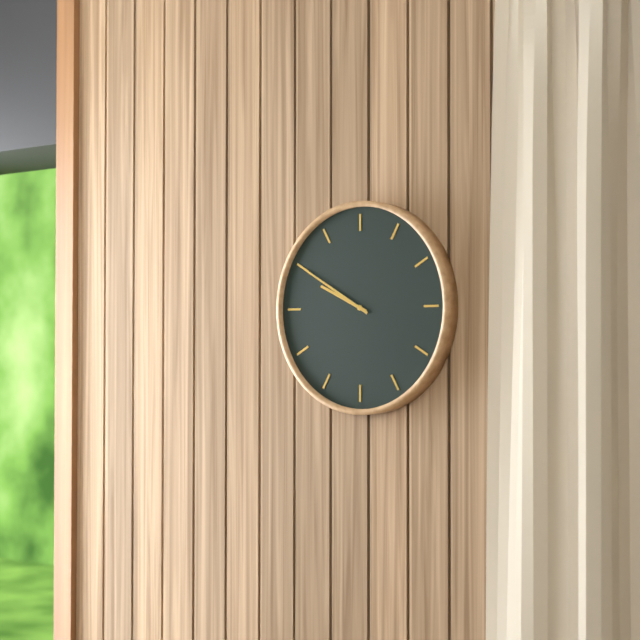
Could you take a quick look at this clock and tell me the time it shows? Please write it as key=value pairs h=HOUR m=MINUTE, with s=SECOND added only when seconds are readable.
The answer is h=9 m=50
